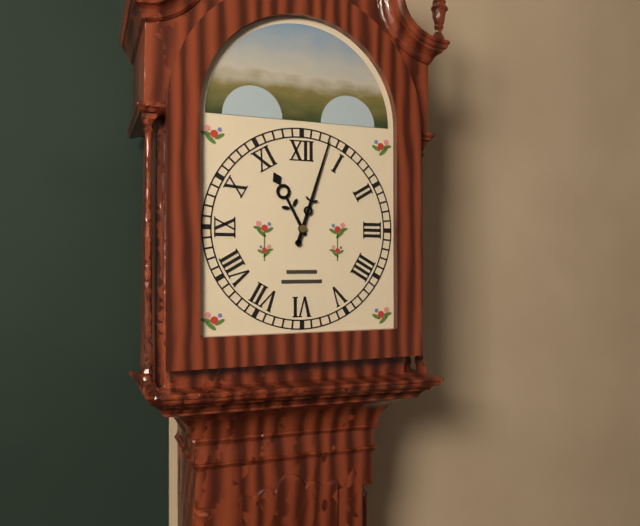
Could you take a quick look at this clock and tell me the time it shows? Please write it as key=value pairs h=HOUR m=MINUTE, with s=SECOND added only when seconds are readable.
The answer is h=11 m=3
